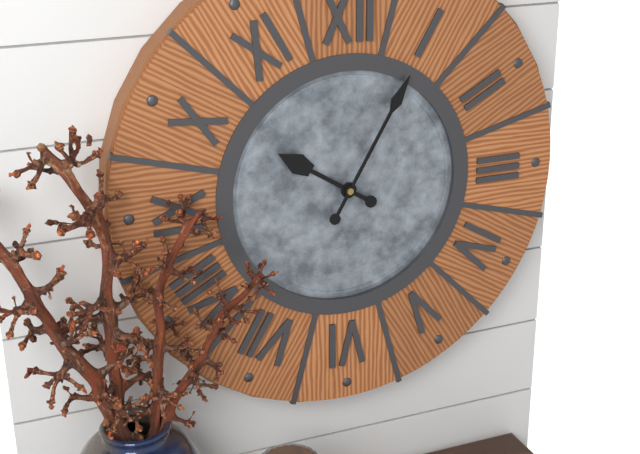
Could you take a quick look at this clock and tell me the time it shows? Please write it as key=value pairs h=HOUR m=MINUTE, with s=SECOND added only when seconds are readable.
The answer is h=10 m=5
